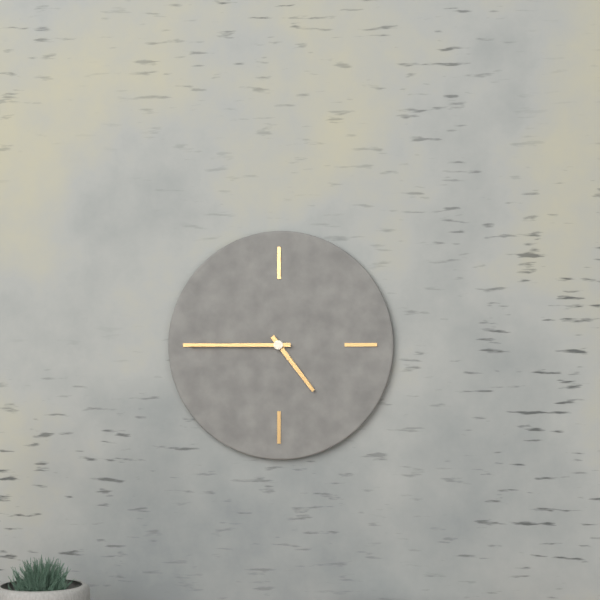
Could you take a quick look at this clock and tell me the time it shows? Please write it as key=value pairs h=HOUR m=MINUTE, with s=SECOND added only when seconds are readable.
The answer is h=4 m=45
